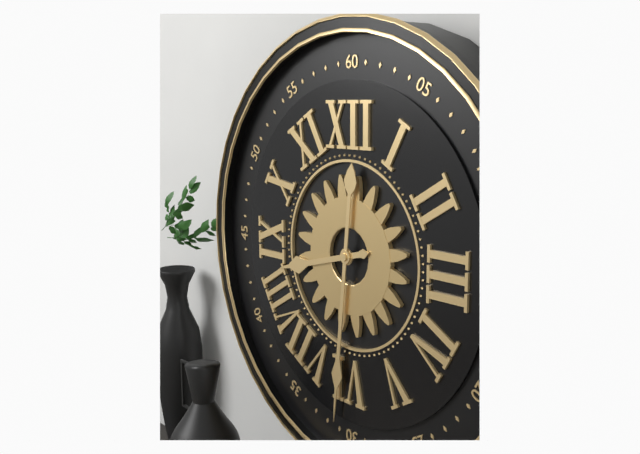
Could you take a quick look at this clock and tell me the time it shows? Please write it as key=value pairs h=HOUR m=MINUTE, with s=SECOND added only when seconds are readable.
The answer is h=8 m=31
